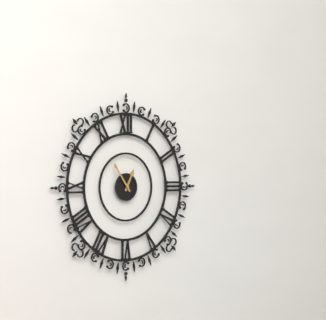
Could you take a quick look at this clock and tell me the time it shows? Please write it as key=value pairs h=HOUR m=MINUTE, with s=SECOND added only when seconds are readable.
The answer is h=12 m=54
